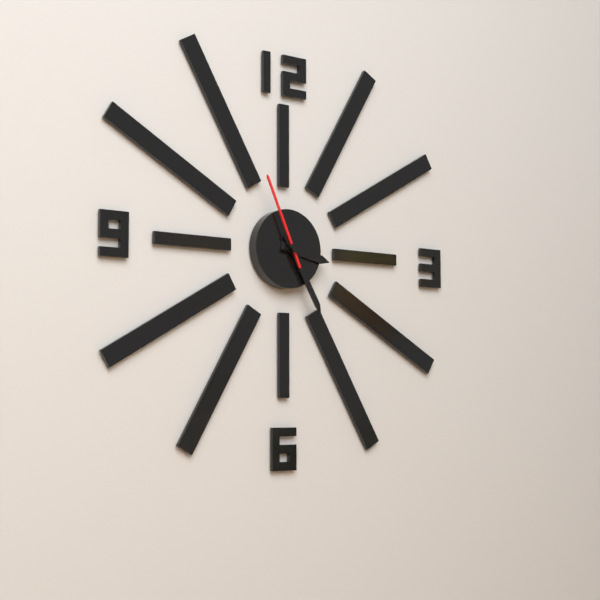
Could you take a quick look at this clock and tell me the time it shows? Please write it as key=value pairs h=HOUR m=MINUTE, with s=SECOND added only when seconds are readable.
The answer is h=3 m=25 s=56
